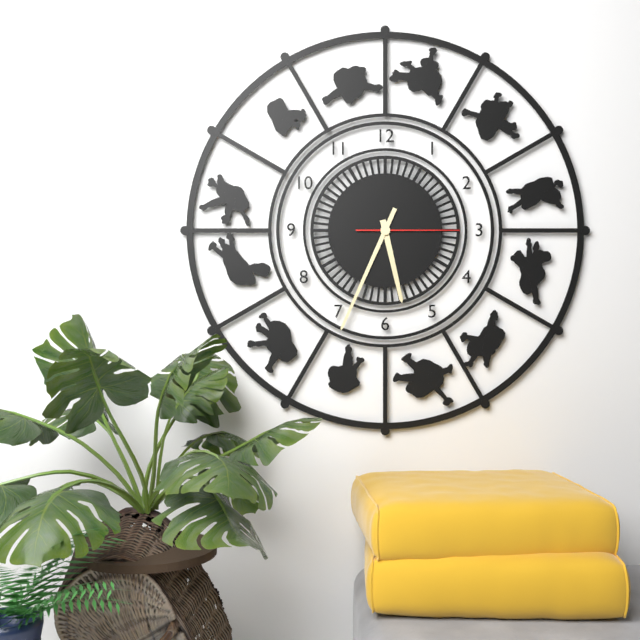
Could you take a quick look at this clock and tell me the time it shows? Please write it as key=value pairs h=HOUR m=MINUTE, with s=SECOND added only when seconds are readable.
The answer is h=5 m=34 s=15
